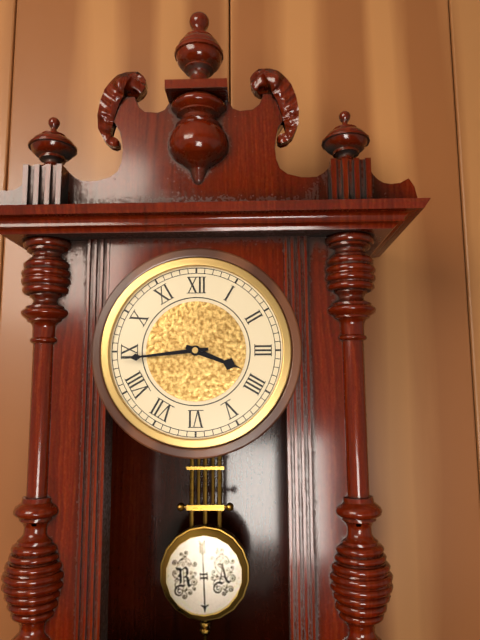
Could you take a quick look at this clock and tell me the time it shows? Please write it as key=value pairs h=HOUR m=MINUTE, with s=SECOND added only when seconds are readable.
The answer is h=3 m=44
